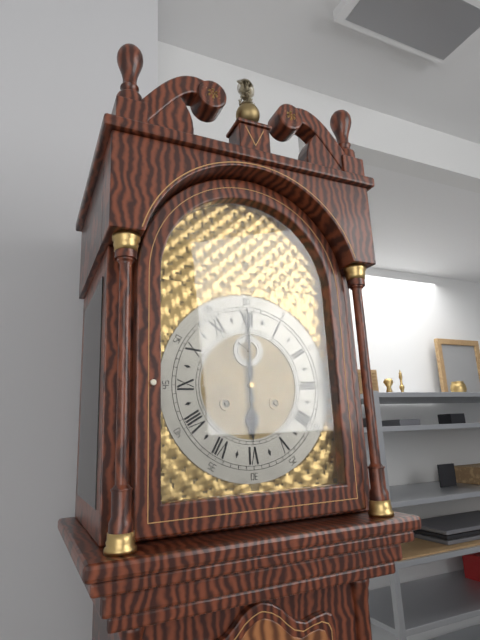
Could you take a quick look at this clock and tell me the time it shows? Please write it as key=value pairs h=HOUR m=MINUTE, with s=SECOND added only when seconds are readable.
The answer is h=6 m=0
